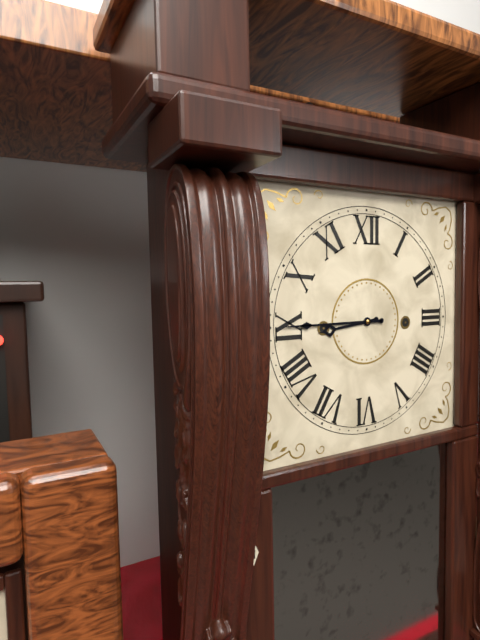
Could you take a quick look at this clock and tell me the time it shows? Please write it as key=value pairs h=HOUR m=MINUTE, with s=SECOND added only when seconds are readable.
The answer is h=8 m=45
